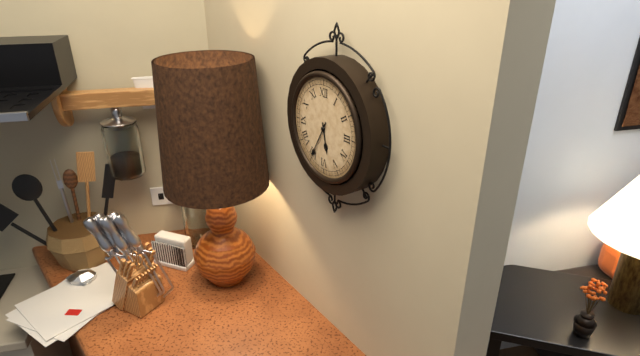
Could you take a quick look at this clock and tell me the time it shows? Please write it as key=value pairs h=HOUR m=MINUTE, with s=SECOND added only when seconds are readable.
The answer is h=5 m=35
